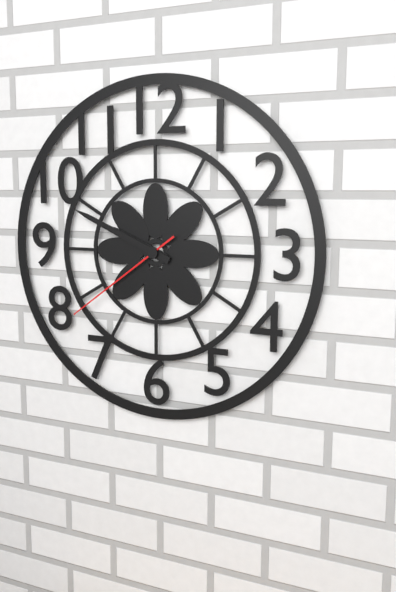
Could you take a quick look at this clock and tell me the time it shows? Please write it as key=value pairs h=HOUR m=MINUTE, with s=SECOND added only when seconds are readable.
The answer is h=9 m=49 s=39
